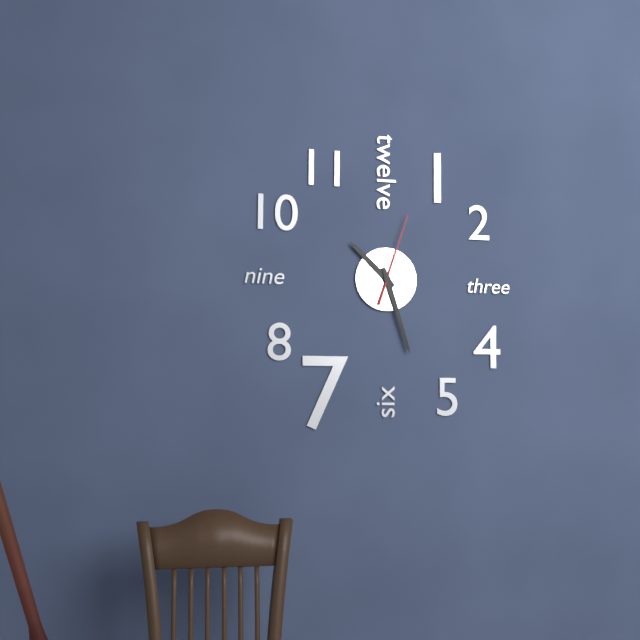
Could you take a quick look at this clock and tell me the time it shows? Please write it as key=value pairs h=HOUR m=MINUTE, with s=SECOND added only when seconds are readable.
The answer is h=10 m=27 s=3
